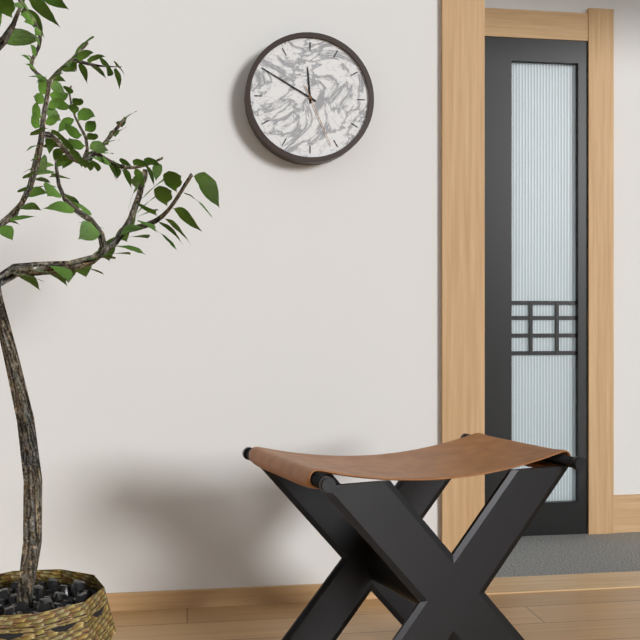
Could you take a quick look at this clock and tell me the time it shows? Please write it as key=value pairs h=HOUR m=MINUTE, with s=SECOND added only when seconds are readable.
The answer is h=11 m=50 s=26
